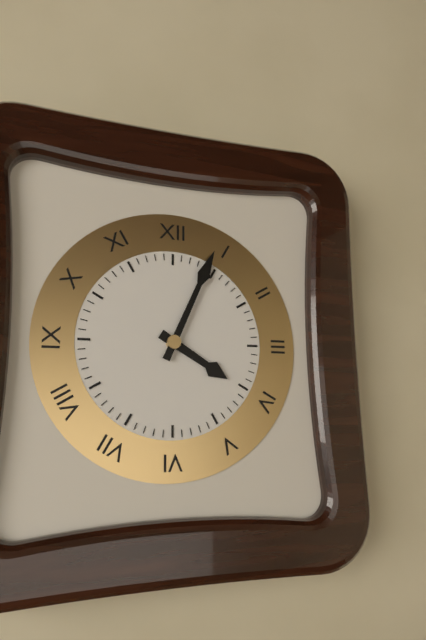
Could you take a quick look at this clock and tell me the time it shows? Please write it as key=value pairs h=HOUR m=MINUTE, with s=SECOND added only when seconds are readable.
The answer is h=4 m=4
